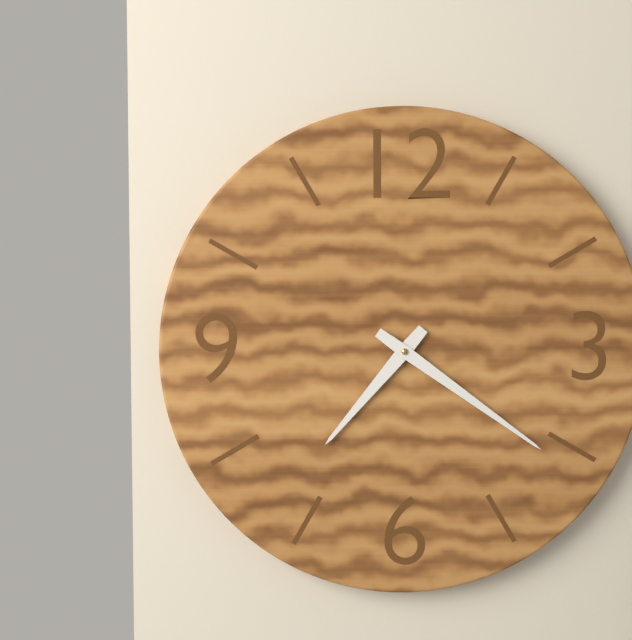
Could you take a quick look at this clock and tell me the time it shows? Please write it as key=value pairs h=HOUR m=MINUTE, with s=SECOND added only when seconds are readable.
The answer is h=7 m=21
